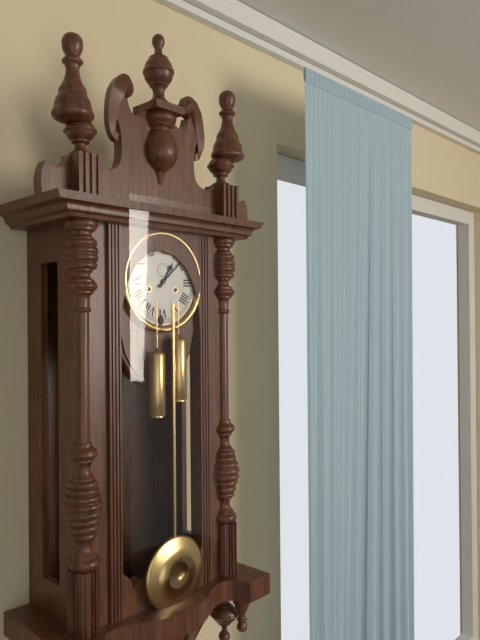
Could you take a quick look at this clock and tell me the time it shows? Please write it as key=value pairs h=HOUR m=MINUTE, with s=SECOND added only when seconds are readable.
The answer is h=1 m=8
